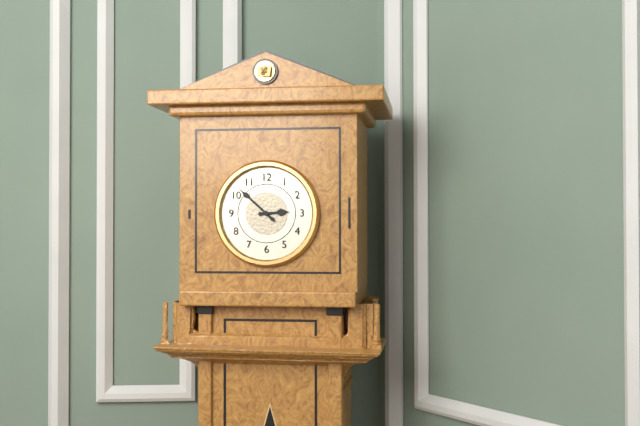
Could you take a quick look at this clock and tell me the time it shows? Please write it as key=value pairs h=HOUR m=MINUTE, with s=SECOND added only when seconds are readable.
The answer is h=2 m=52
